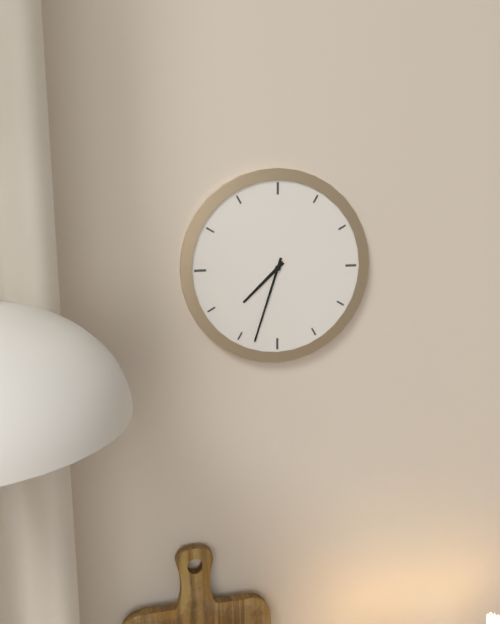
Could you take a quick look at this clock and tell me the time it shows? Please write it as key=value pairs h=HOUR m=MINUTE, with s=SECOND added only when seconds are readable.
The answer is h=7 m=33
